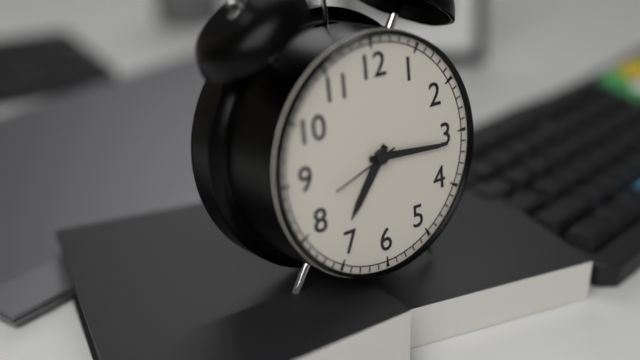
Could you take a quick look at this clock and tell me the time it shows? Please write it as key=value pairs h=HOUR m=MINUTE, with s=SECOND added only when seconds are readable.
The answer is h=7 m=16 s=42
